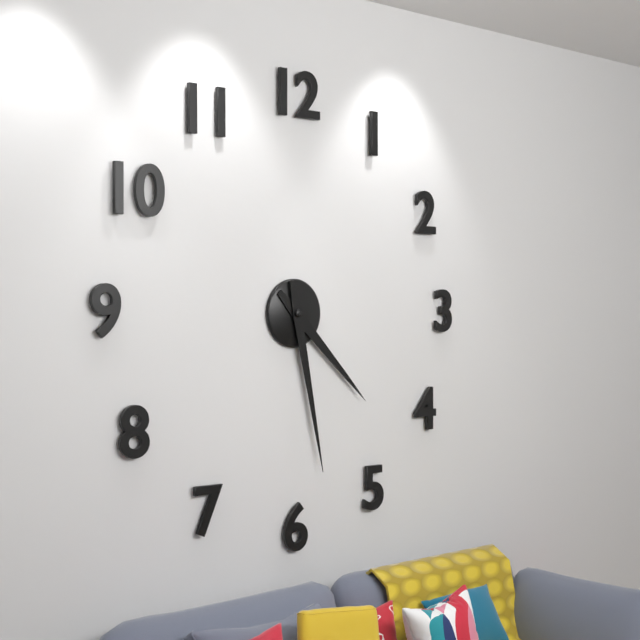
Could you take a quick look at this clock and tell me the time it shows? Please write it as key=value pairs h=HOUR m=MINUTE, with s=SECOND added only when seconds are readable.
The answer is h=4 m=28
